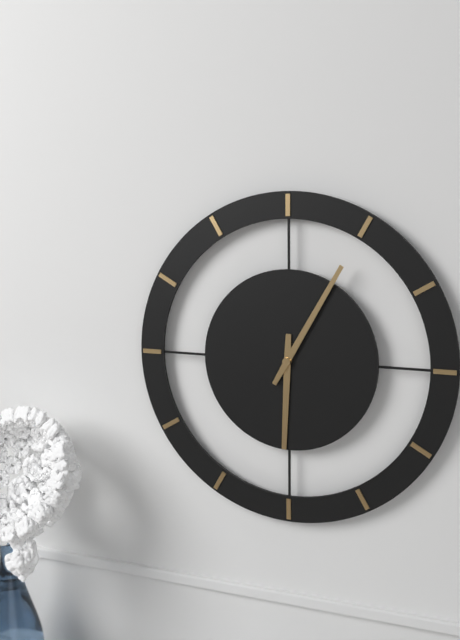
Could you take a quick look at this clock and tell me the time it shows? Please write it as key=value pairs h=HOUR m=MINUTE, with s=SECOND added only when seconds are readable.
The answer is h=6 m=5
